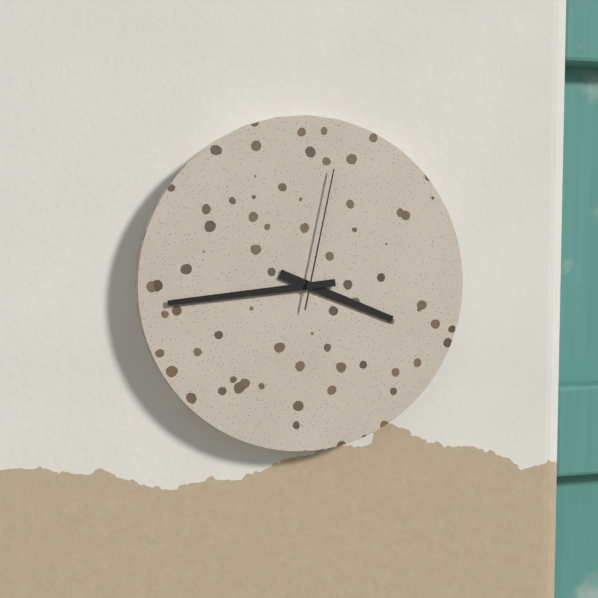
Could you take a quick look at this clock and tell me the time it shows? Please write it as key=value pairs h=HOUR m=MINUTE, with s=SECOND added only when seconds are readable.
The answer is h=3 m=44 s=2
